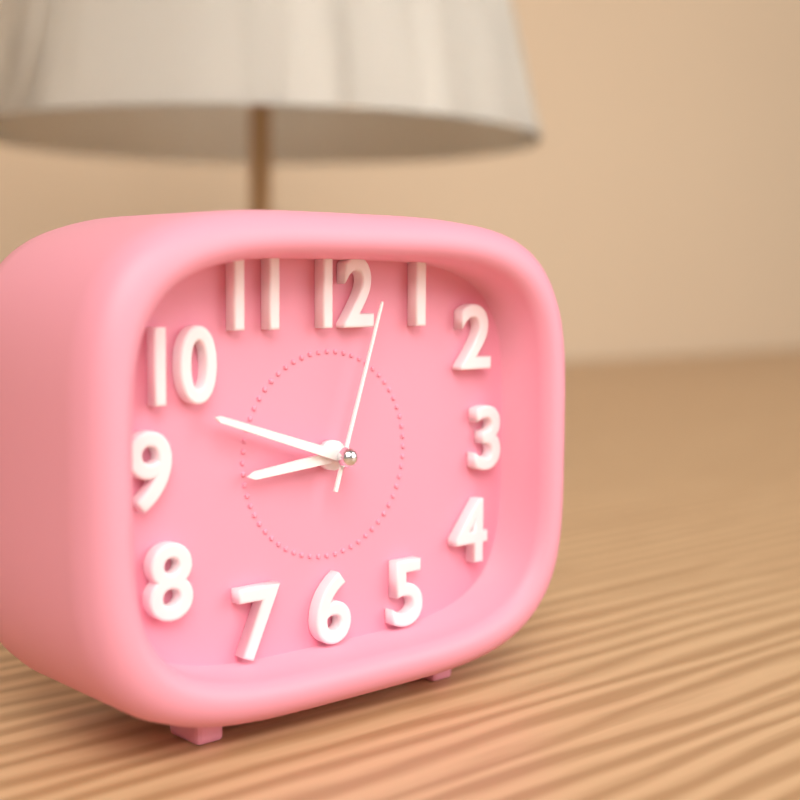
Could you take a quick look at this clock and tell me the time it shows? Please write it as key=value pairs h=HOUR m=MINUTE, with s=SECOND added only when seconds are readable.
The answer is h=8 m=48 s=3
